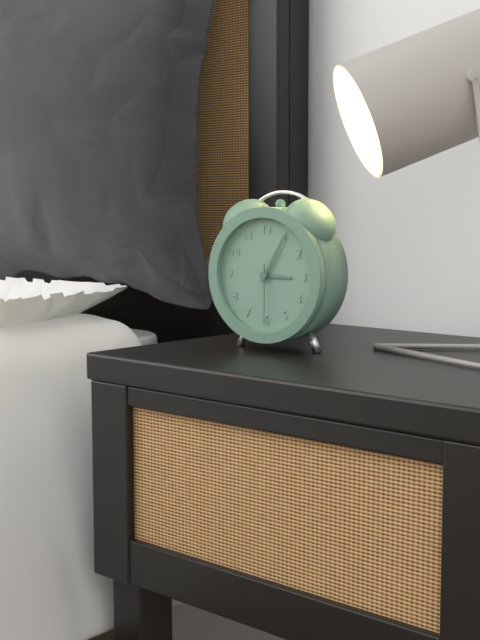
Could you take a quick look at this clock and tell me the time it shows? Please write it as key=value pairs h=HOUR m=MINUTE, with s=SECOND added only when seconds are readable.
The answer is h=3 m=5 s=30
